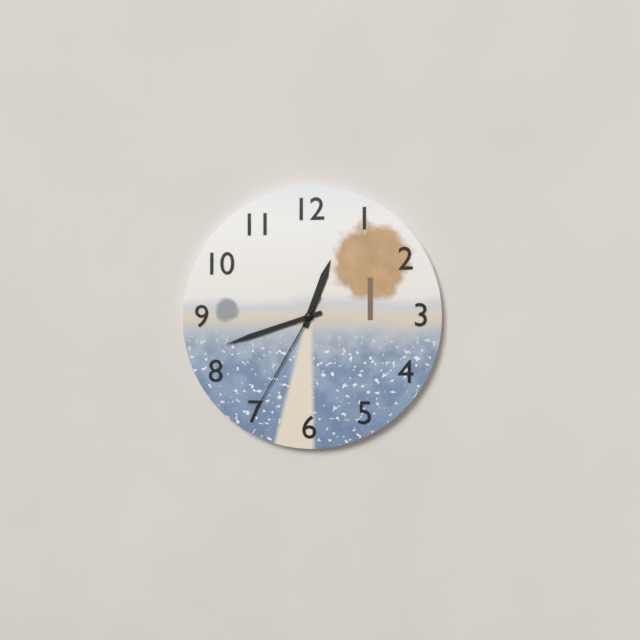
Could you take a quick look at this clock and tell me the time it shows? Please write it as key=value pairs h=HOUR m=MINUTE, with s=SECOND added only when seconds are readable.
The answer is h=12 m=42 s=35
